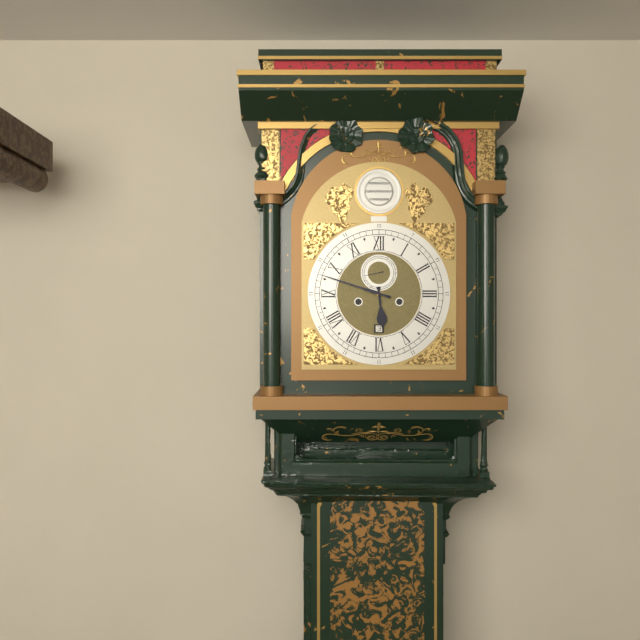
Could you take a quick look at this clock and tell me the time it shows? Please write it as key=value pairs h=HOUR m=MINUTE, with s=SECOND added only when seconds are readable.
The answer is h=5 m=48
